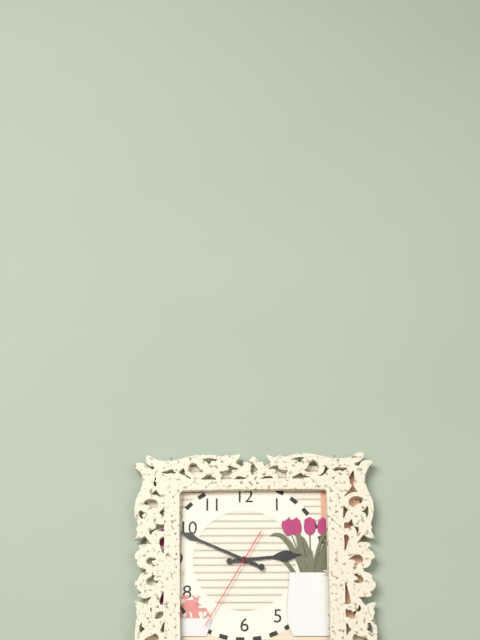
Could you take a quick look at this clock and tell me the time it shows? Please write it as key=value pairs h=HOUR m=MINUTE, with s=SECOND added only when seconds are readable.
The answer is h=2 m=49 s=35
